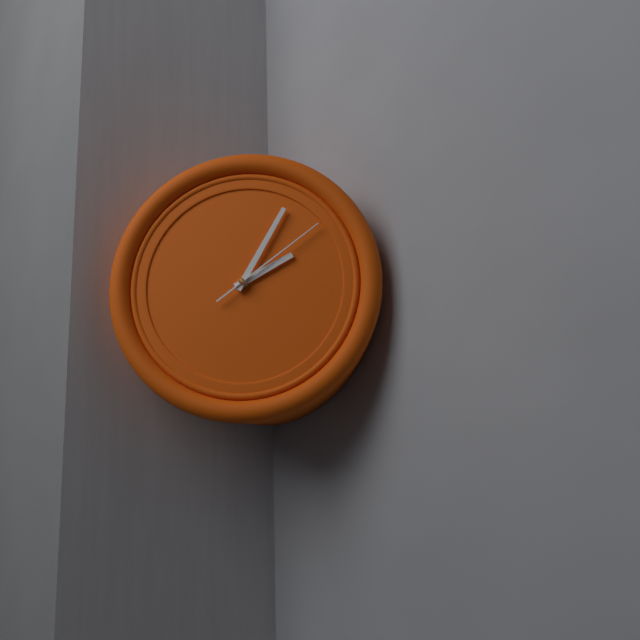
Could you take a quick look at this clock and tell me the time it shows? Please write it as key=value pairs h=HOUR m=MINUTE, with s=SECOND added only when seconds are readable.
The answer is h=2 m=5 s=9
